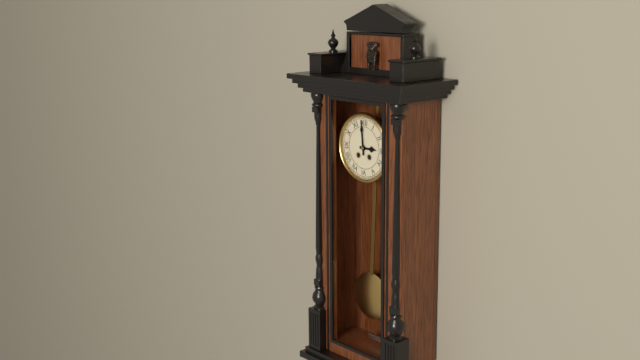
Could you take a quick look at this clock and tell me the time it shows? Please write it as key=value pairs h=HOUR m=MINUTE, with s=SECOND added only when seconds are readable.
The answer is h=2 m=59
